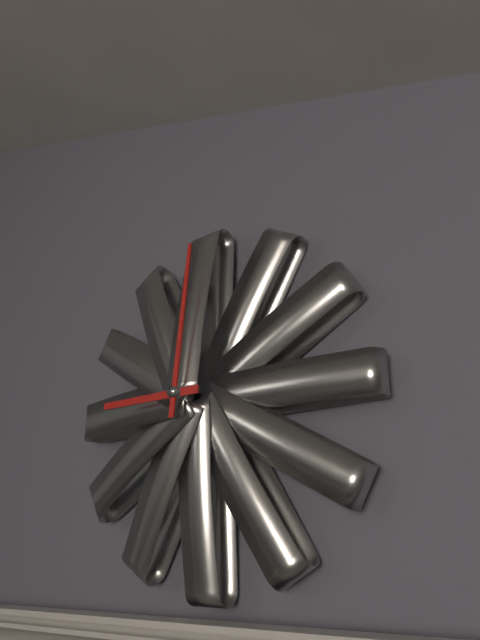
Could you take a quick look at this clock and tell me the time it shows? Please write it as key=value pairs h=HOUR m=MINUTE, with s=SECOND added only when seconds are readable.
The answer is h=9 m=1
